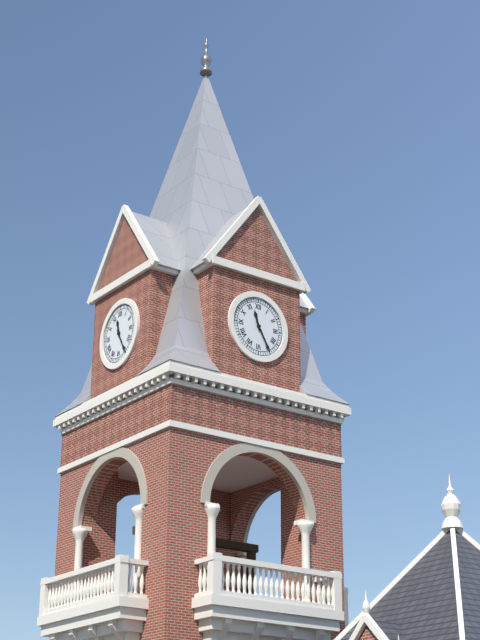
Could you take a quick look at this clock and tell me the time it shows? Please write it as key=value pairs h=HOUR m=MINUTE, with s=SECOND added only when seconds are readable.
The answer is h=11 m=25
